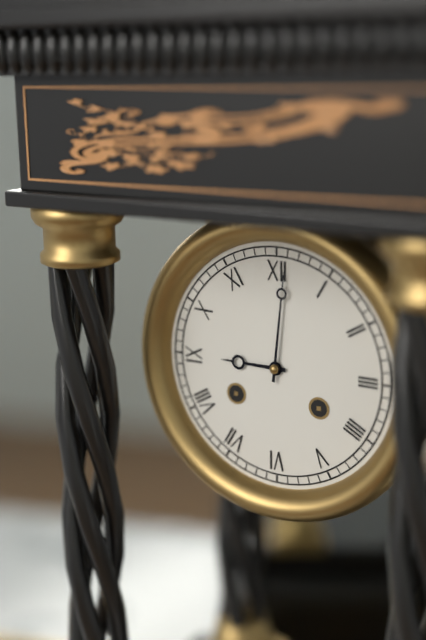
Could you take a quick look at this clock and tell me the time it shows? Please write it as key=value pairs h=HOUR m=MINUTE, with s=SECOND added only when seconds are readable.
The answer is h=9 m=1
